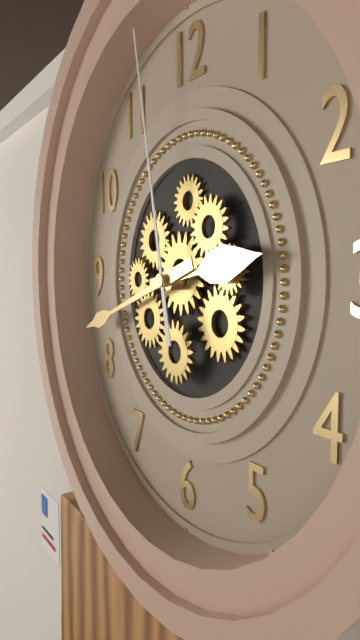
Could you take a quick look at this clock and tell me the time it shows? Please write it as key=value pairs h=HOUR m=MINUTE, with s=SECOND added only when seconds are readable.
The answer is h=2 m=42 s=58
